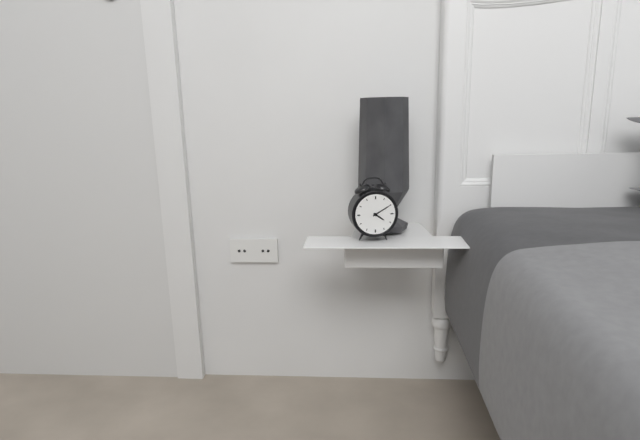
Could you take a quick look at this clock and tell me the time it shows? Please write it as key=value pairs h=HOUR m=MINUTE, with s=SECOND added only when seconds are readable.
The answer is h=4 m=10
